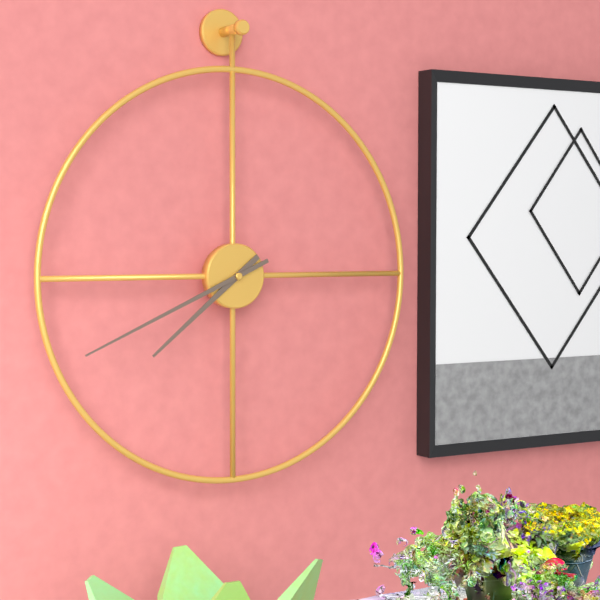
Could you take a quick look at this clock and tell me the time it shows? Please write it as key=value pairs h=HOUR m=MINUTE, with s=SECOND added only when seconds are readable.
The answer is h=7 m=41
